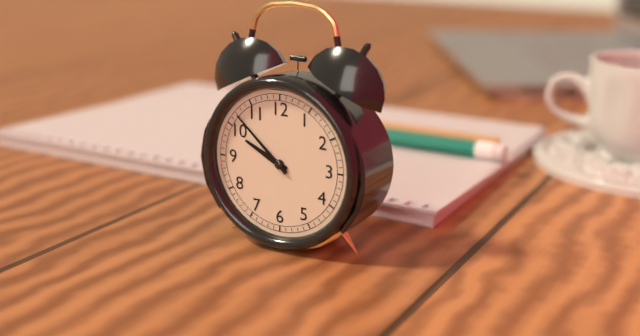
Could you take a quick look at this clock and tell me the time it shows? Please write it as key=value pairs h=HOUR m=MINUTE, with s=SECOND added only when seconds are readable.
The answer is h=9 m=52
